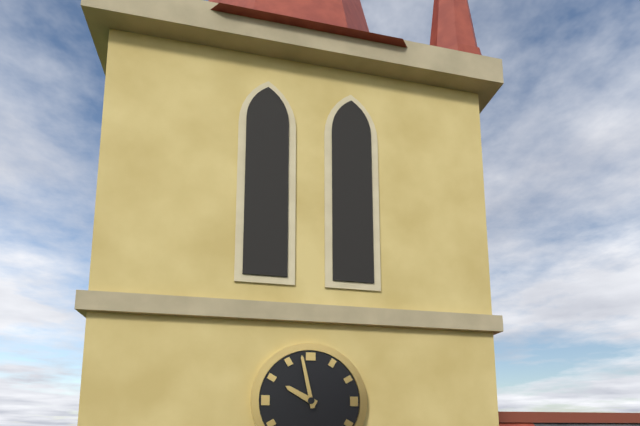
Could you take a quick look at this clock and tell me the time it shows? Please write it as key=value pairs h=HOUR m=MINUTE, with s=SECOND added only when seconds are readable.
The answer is h=9 m=58
